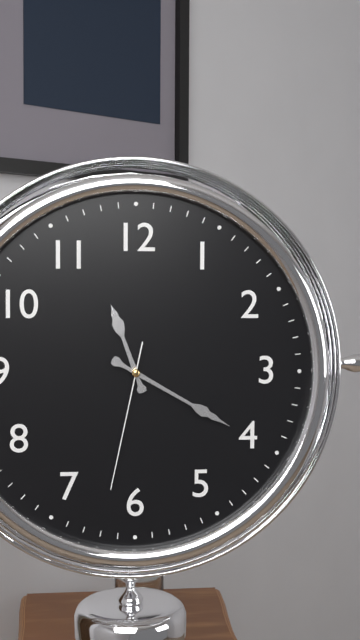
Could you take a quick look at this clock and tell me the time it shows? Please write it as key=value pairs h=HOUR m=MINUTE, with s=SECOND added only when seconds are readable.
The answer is h=11 m=20 s=32
